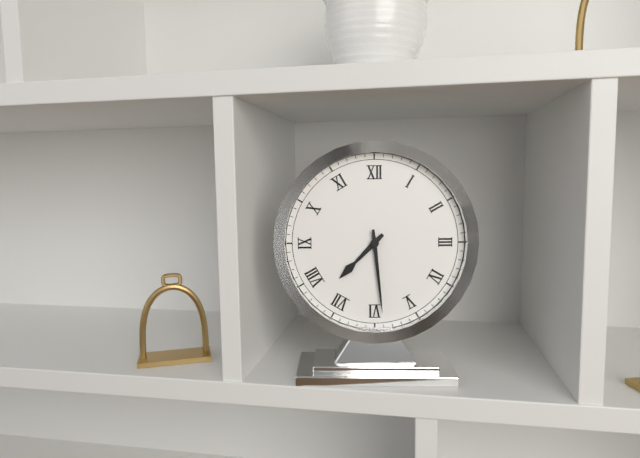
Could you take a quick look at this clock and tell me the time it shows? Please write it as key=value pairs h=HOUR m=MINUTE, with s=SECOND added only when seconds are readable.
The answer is h=7 m=29
